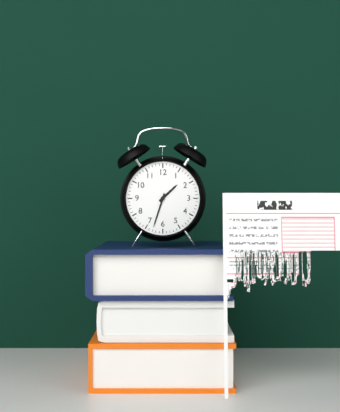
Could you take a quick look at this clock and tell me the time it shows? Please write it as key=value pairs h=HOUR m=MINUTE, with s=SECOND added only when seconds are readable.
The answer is h=1 m=33
